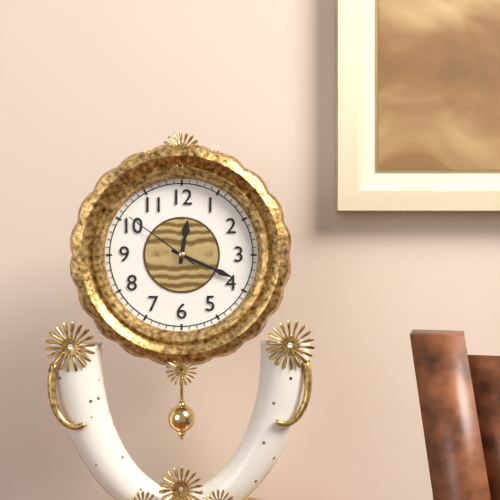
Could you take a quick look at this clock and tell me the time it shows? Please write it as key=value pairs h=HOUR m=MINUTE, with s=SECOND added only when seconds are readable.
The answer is h=12 m=19 s=51
